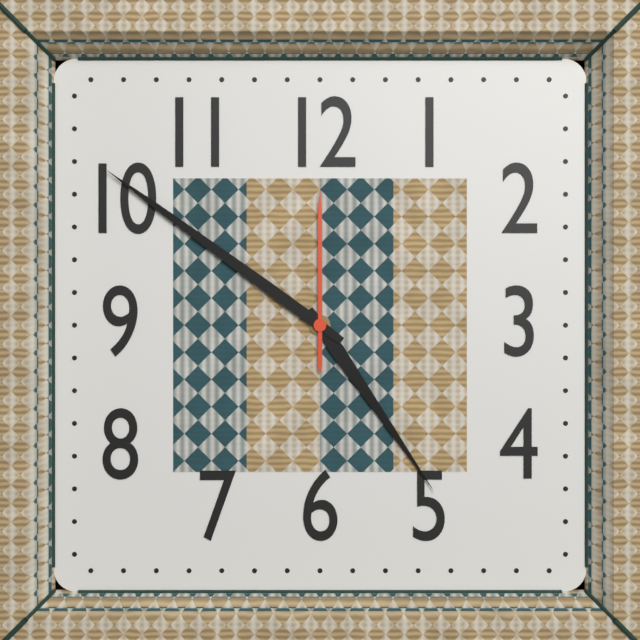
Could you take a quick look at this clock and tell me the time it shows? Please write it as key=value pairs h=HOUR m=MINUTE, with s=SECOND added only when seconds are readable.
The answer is h=4 m=51 s=0
